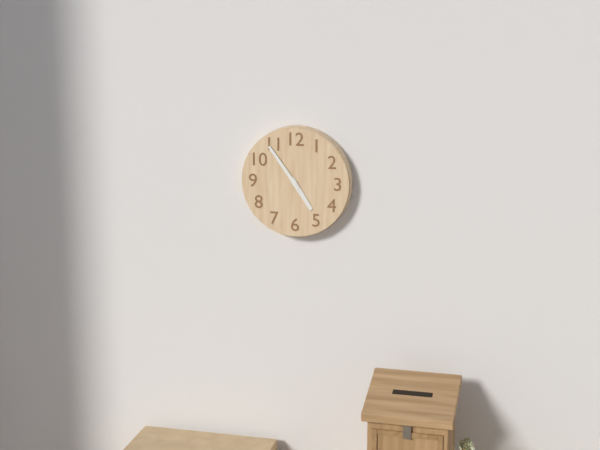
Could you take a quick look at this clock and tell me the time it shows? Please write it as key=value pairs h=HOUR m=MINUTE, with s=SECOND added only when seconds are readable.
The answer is h=4 m=54
